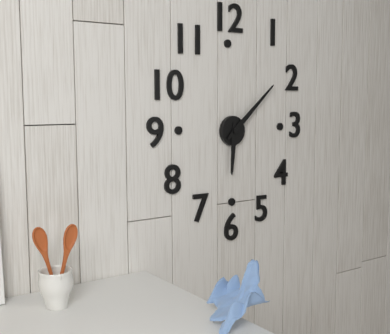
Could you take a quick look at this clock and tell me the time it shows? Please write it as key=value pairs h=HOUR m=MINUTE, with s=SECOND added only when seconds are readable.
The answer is h=6 m=8
